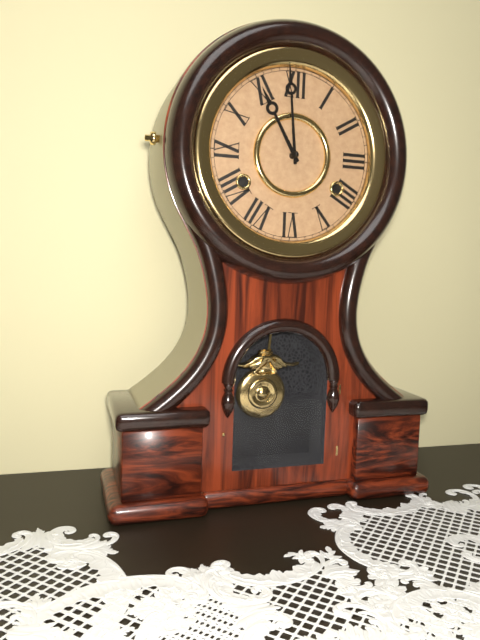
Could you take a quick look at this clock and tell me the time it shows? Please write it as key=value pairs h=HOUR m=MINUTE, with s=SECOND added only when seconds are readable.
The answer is h=10 m=59
